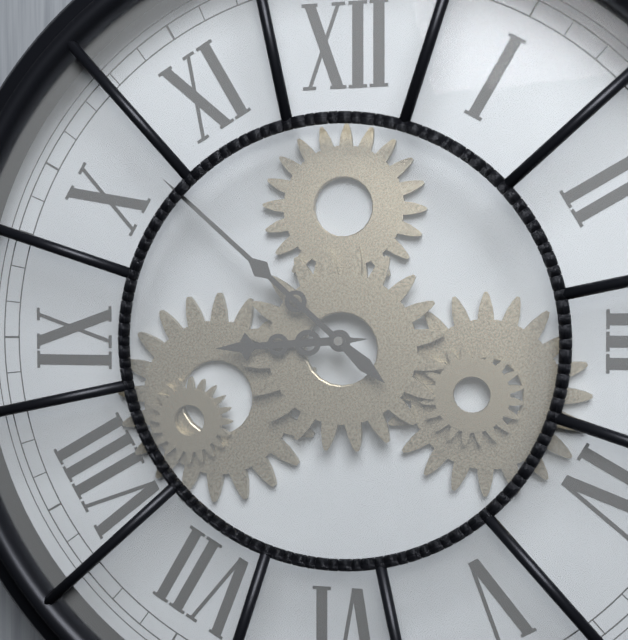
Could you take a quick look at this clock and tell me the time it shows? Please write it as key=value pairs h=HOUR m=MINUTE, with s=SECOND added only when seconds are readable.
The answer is h=8 m=52
